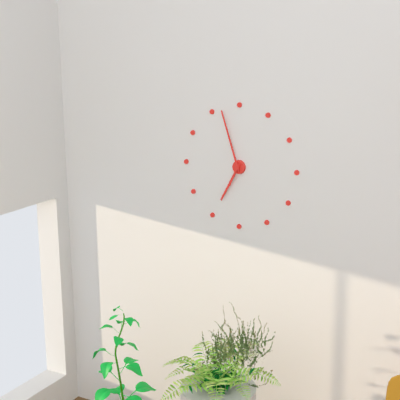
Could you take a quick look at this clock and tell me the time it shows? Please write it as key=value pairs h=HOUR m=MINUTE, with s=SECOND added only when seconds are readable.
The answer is h=6 m=57
